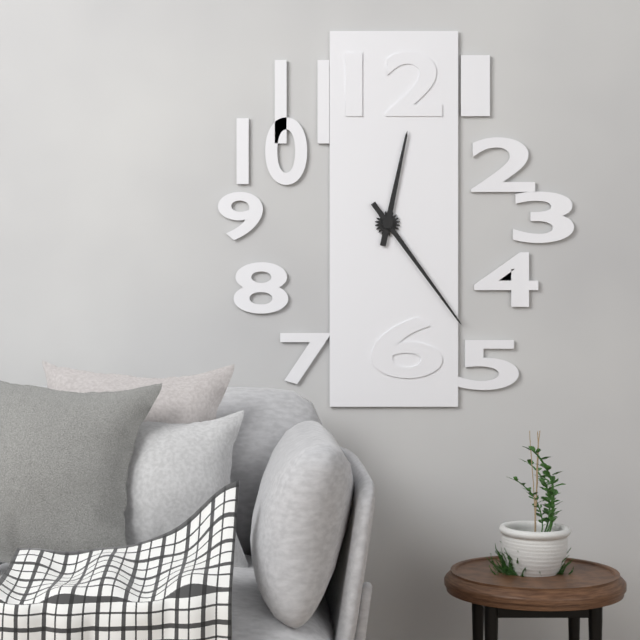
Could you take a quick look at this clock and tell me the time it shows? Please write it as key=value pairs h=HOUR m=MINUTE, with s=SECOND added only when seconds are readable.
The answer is h=12 m=24
